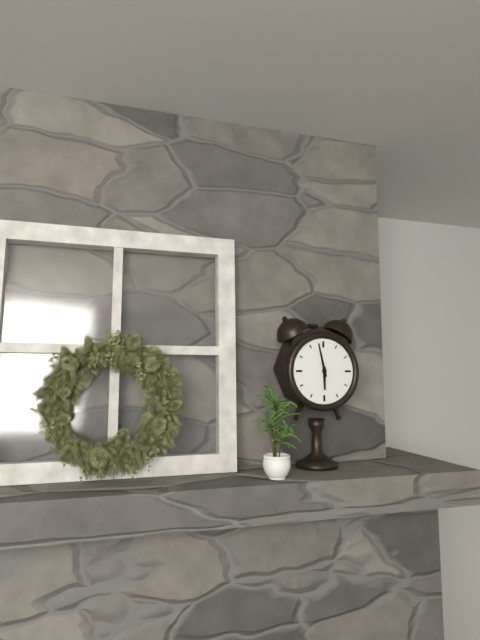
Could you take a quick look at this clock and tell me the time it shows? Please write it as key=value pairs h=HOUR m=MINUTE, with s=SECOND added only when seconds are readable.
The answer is h=5 m=58
